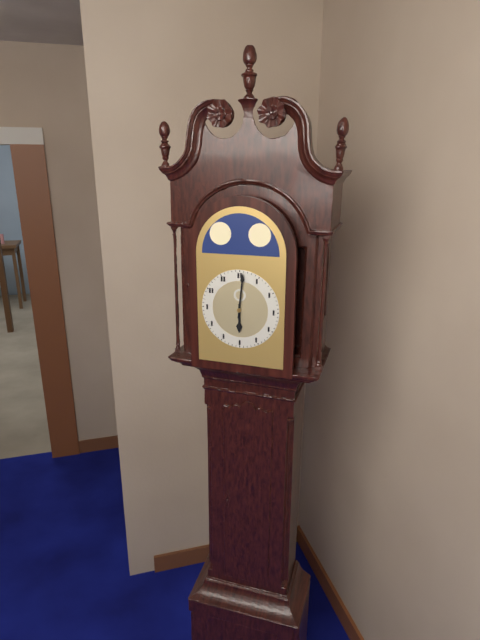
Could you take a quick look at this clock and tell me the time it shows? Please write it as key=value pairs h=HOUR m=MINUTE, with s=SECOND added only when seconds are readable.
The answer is h=6 m=1
